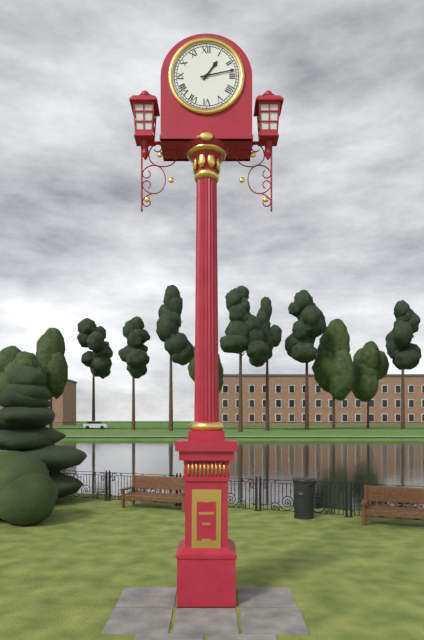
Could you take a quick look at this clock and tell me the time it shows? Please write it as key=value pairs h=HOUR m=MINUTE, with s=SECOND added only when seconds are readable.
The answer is h=1 m=13
